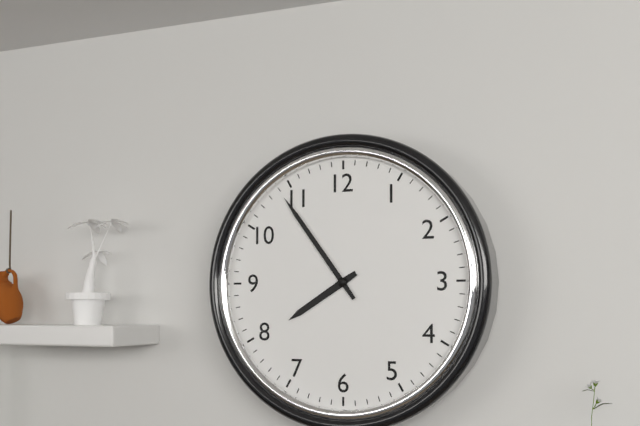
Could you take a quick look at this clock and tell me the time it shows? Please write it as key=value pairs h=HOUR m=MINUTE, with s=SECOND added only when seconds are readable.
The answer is h=7 m=54
